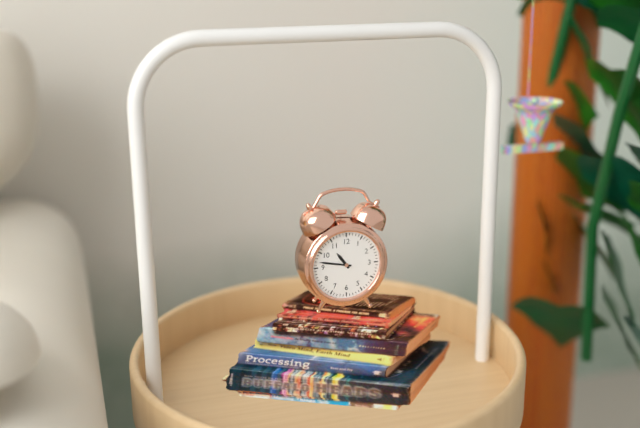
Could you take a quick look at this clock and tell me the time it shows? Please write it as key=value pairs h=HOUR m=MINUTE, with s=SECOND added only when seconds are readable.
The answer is h=10 m=47
